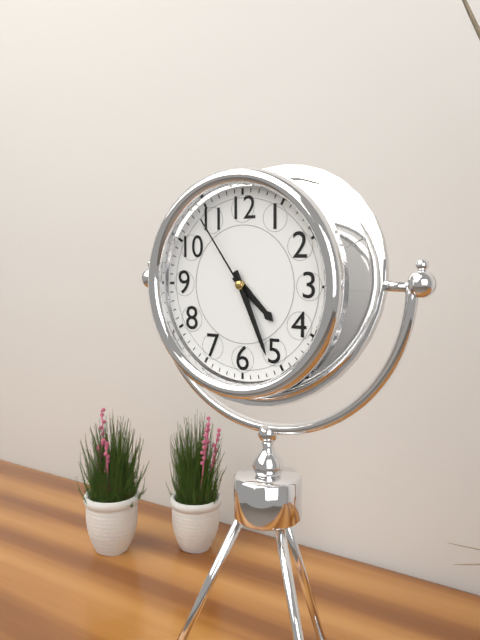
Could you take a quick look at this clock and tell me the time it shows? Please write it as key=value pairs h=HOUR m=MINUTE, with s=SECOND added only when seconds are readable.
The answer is h=4 m=26 s=54
